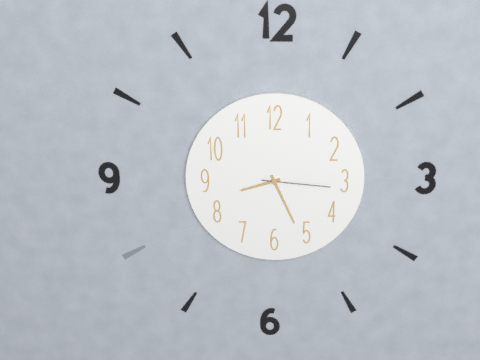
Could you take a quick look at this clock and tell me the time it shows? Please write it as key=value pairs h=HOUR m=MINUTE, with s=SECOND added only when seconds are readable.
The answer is h=8 m=26 s=16
